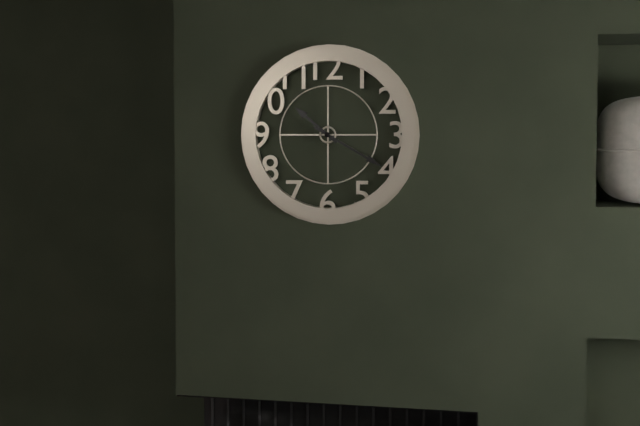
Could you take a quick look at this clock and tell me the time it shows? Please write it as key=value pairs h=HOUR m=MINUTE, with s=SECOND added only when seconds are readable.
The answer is h=10 m=20
